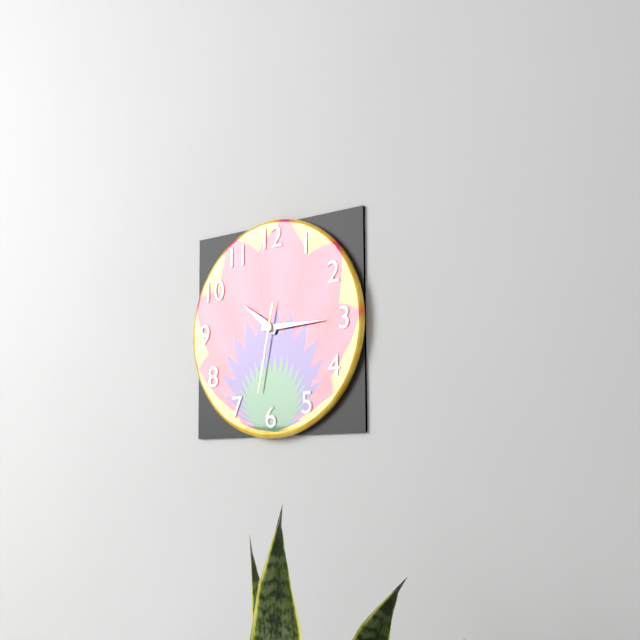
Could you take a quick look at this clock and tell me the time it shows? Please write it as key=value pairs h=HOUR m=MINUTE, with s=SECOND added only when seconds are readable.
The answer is h=10 m=15 s=32
